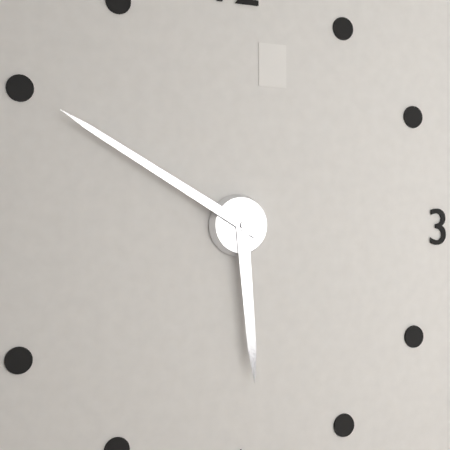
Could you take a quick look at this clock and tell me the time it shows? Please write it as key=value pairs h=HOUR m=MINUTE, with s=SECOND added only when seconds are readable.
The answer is h=5 m=50
